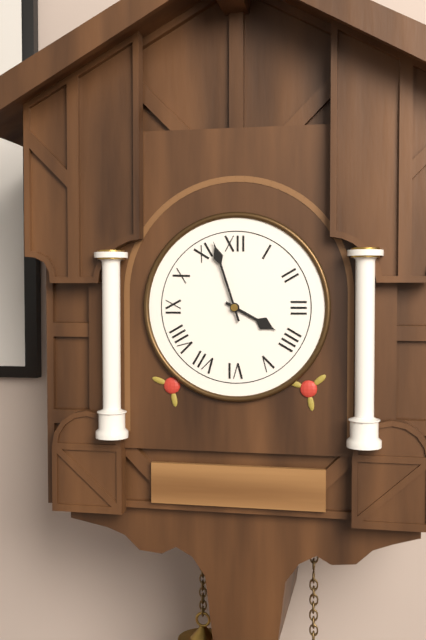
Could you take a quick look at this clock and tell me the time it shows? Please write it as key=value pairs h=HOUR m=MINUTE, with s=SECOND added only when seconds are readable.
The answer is h=3 m=57
